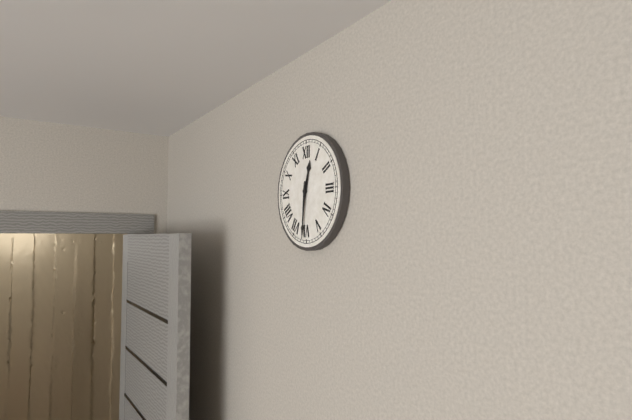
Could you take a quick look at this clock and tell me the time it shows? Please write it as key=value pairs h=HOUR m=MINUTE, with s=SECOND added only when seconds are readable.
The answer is h=12 m=31
